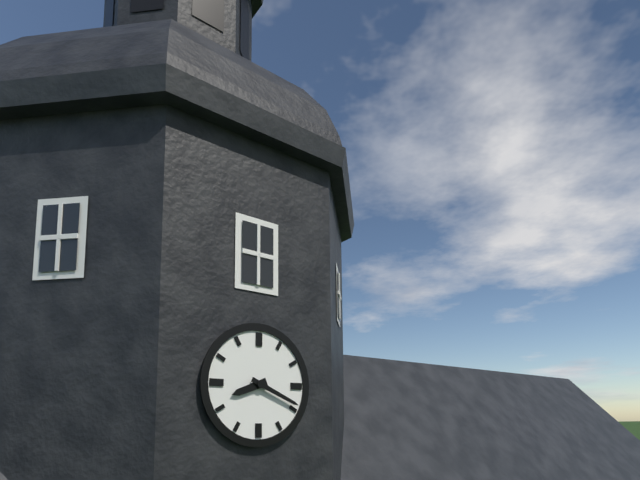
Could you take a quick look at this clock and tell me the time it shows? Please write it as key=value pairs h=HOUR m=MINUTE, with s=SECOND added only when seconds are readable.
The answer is h=8 m=19
